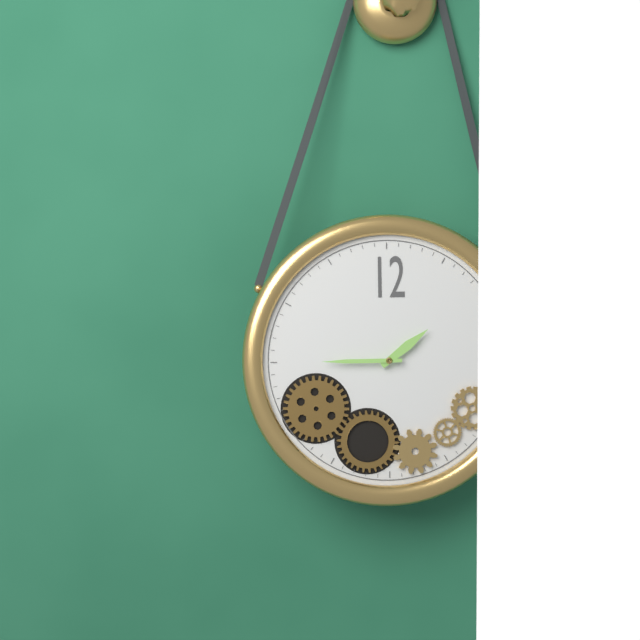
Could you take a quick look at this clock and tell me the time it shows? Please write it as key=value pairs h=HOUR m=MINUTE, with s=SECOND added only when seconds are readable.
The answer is h=1 m=45
